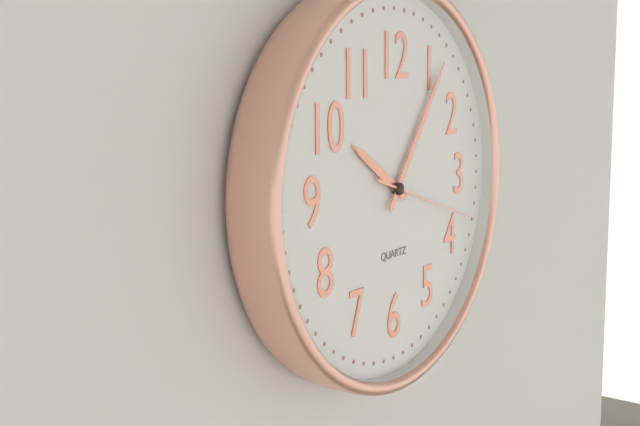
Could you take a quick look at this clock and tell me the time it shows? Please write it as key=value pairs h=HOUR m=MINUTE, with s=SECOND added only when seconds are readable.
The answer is h=10 m=6 s=18
